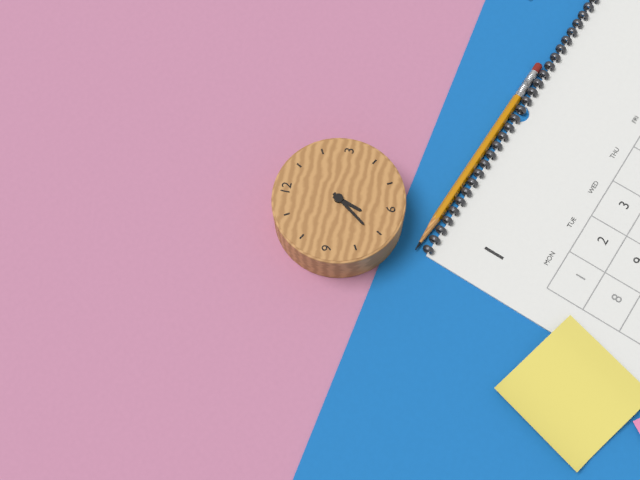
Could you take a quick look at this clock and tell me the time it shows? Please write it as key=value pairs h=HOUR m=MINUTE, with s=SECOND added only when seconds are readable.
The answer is h=6 m=36
